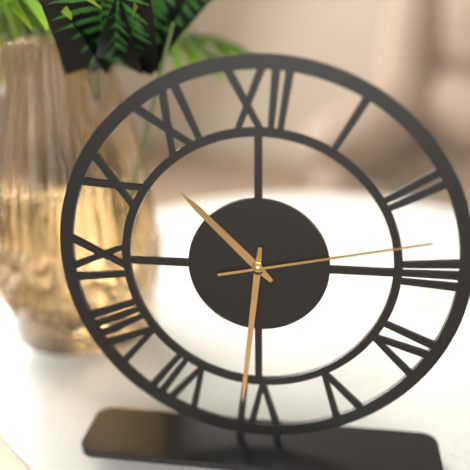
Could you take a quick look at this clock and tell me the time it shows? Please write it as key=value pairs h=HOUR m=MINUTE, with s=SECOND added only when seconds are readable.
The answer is h=10 m=31 s=13
